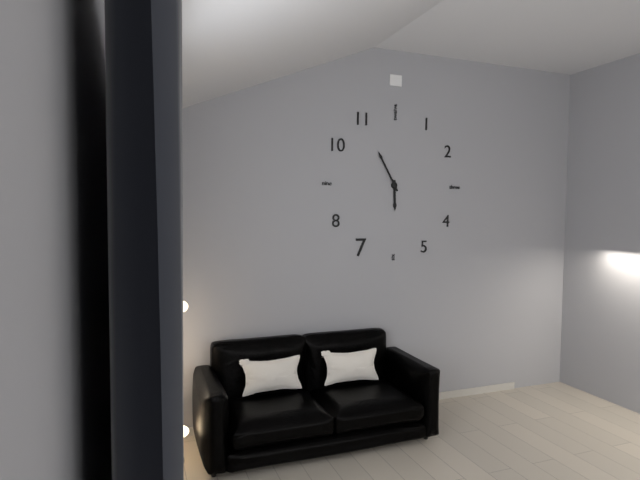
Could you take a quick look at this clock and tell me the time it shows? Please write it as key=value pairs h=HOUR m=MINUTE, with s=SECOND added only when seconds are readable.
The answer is h=5 m=55
